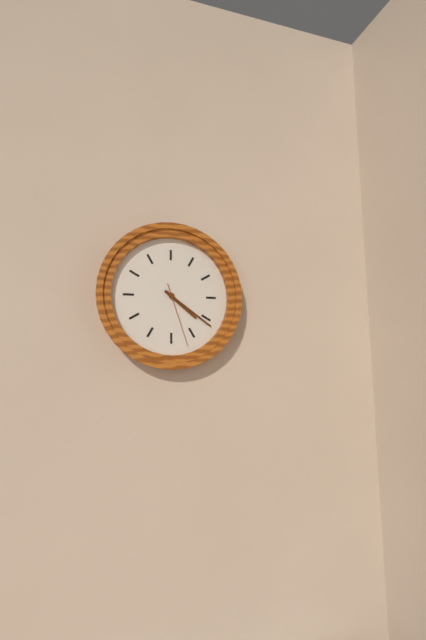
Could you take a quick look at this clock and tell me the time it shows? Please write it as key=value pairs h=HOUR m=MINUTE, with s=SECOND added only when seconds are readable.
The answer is h=4 m=21 s=27
